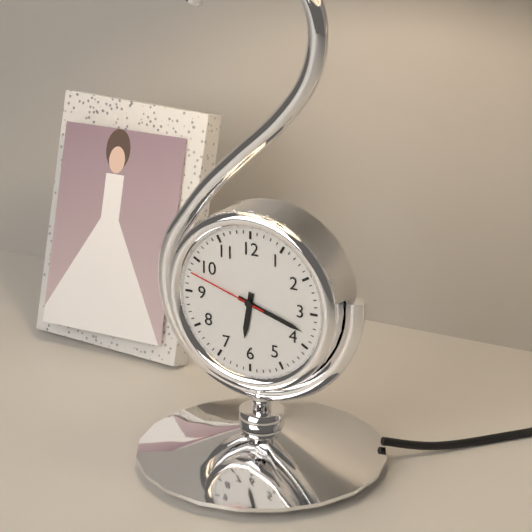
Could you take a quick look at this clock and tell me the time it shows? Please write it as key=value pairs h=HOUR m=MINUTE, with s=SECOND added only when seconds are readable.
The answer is h=6 m=18 s=48
